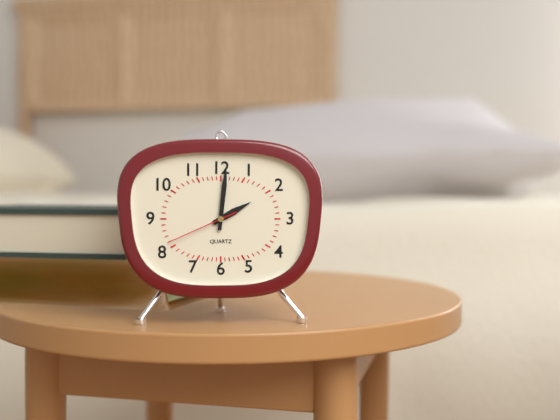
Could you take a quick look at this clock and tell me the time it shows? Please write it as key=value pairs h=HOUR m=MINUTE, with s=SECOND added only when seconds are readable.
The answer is h=2 m=1 s=41
